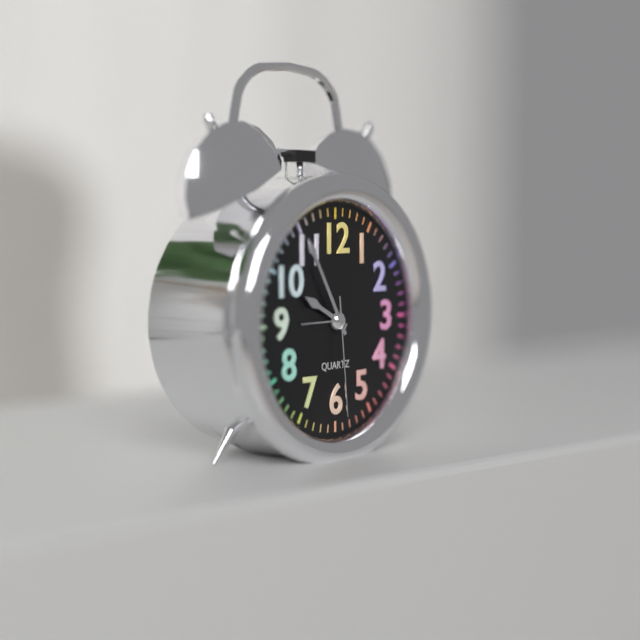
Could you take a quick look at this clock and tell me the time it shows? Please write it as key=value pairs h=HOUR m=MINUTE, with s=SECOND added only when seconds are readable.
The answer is h=9 m=55 s=29
